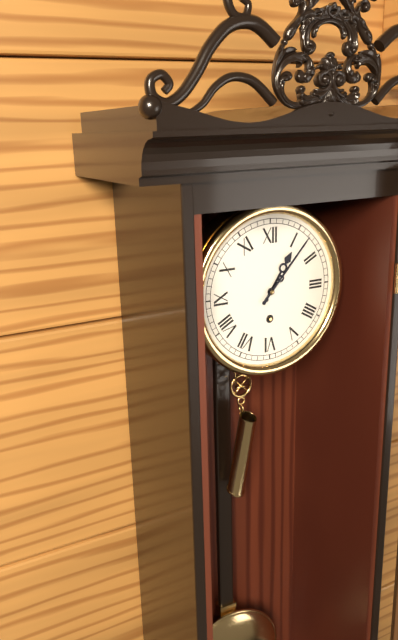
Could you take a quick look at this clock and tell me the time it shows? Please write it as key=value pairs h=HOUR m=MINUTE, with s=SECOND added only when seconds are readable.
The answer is h=1 m=7
